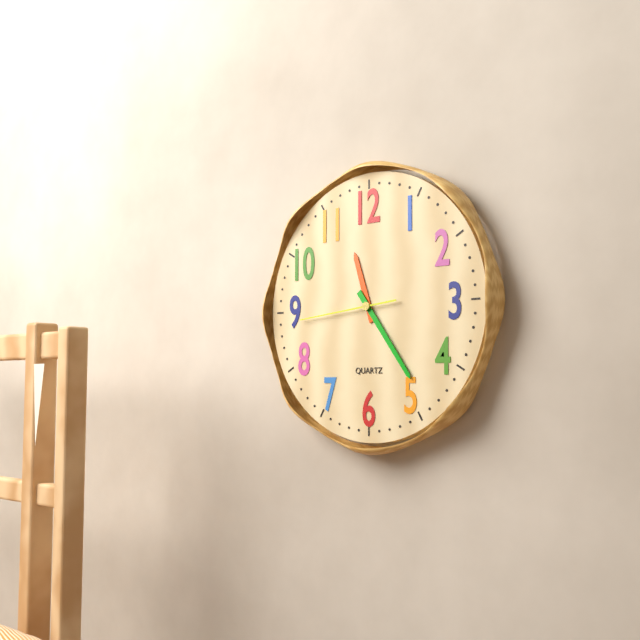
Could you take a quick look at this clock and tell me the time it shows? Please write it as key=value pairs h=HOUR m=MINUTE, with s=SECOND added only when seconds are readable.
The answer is h=11 m=24 s=44
